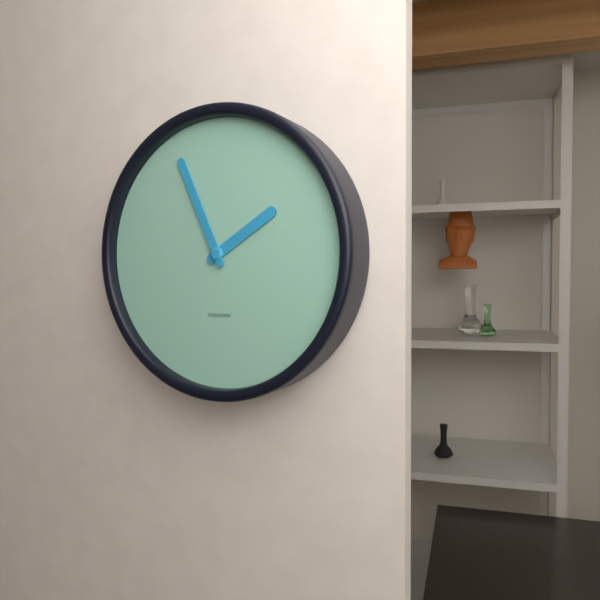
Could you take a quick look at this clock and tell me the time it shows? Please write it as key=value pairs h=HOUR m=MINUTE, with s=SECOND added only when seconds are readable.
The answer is h=1 m=56
